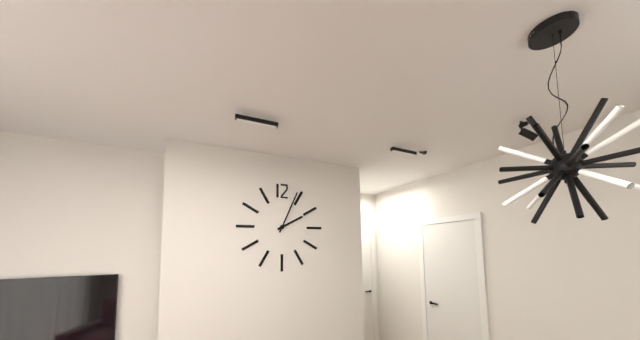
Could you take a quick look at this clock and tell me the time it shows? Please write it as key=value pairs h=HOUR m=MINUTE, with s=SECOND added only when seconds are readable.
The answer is h=2 m=4
